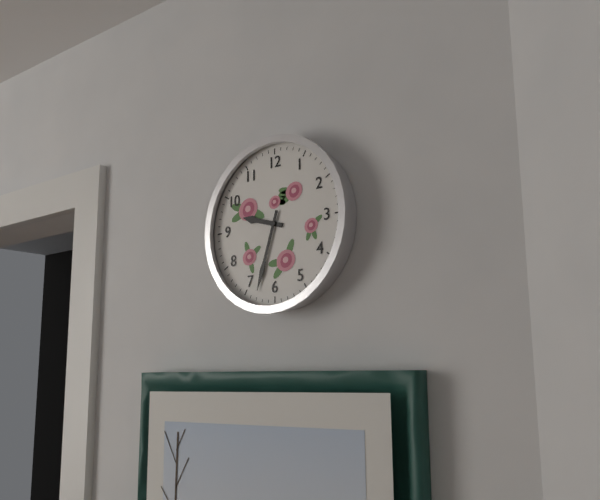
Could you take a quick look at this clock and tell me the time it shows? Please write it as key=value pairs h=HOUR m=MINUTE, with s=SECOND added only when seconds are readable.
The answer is h=9 m=33
